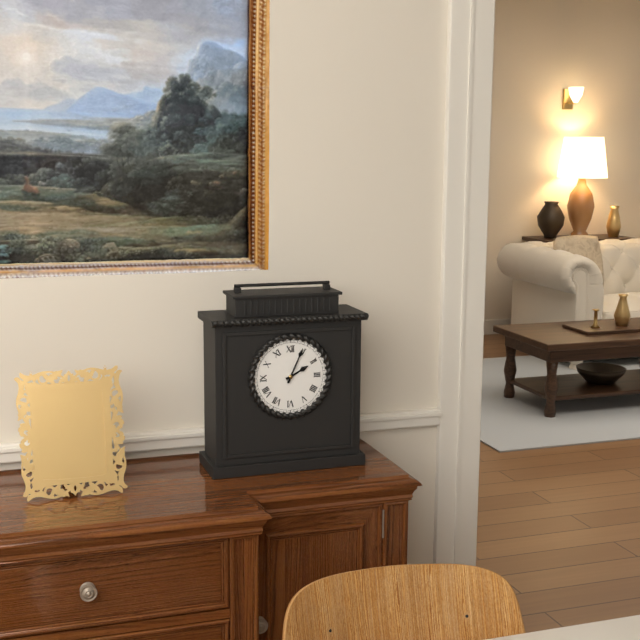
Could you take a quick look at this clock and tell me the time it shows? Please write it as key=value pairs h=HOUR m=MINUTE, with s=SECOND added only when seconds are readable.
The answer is h=2 m=4
